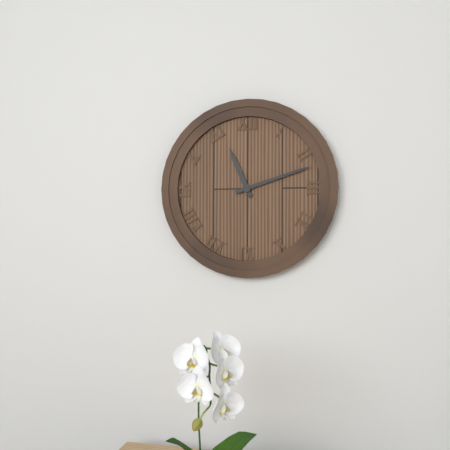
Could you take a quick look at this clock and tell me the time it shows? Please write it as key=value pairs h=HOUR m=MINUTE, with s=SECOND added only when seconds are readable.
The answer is h=11 m=12
